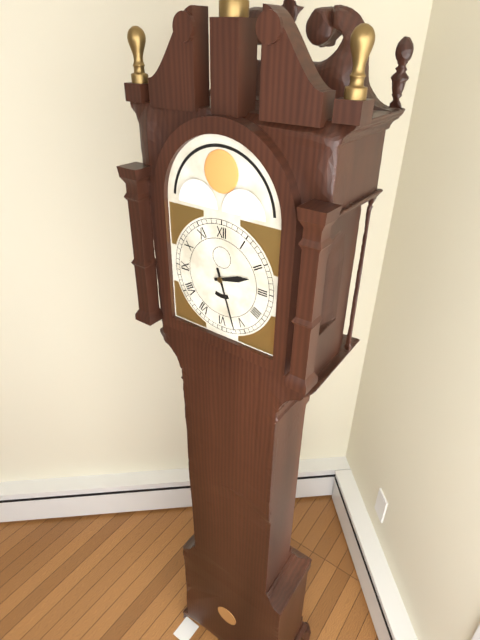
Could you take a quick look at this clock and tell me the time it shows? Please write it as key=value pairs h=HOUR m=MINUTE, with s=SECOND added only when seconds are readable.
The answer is h=2 m=27
